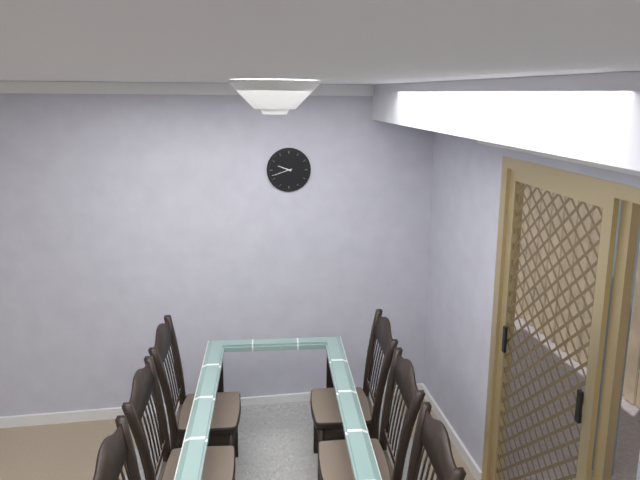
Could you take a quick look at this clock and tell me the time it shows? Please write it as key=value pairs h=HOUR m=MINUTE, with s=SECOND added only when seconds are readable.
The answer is h=9 m=42
